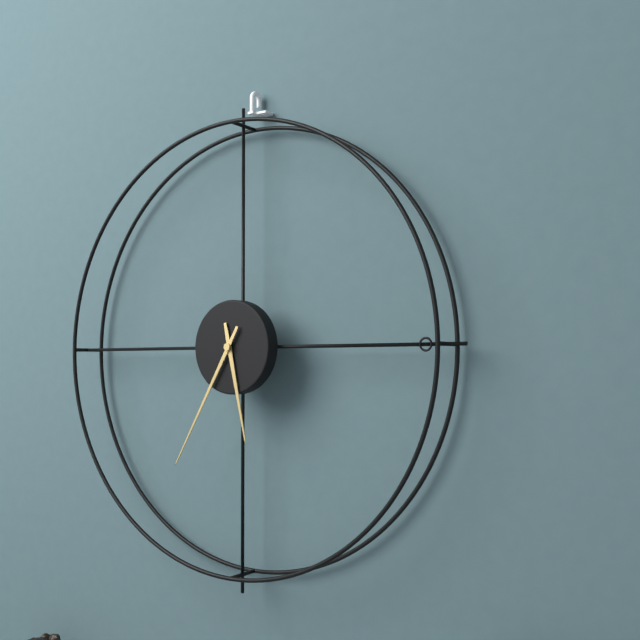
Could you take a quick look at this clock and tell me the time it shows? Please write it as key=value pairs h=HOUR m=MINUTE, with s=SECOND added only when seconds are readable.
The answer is h=5 m=35
